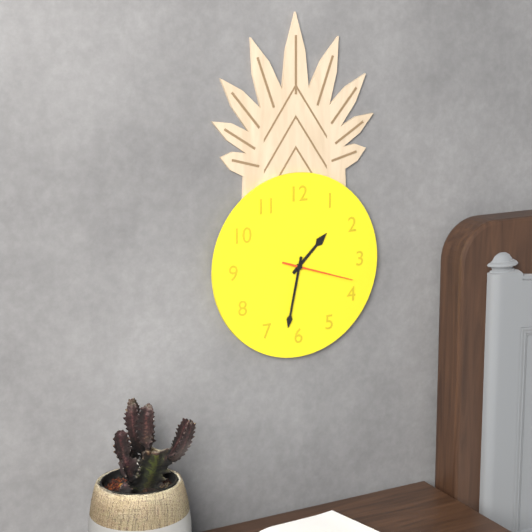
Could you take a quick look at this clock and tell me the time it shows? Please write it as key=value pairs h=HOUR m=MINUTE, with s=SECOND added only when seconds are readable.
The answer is h=1 m=32 s=18
